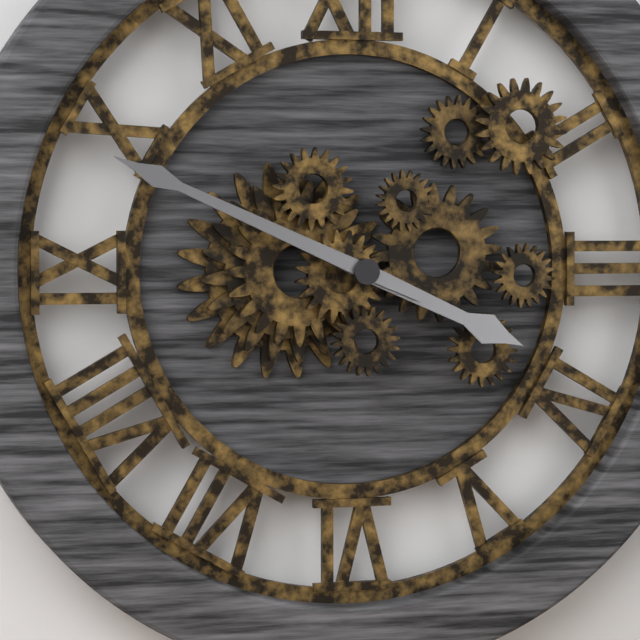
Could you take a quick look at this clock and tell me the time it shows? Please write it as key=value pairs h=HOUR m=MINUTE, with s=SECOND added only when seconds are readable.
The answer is h=3 m=49
